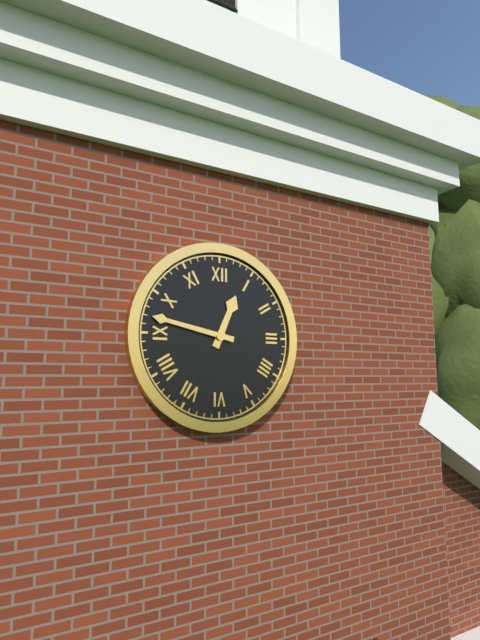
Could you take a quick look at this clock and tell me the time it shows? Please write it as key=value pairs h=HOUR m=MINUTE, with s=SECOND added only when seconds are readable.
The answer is h=12 m=47
